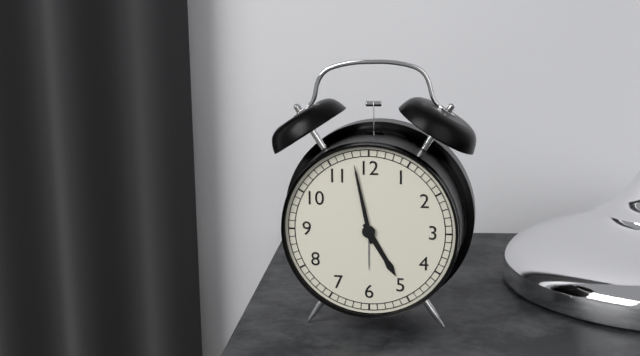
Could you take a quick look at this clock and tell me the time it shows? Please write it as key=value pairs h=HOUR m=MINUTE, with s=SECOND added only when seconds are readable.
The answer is h=4 m=58
